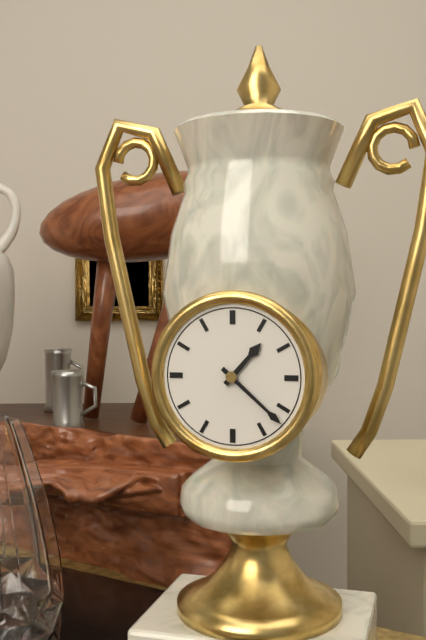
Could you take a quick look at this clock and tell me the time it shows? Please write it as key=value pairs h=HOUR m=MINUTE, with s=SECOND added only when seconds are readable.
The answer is h=1 m=22
